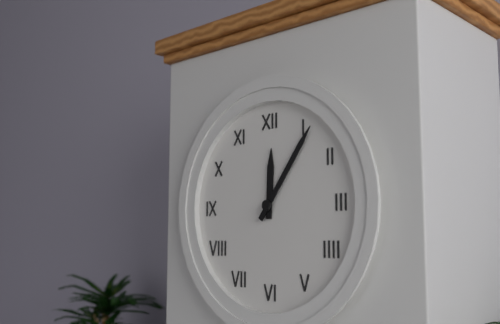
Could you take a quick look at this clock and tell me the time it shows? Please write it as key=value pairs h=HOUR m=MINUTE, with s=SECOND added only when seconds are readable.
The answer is h=12 m=6
